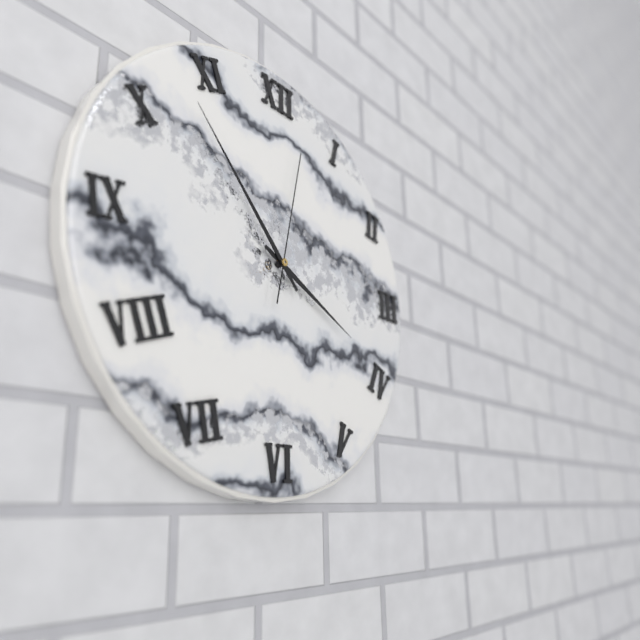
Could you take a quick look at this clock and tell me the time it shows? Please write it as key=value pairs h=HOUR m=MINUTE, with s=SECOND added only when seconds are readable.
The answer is h=3 m=53 s=2
